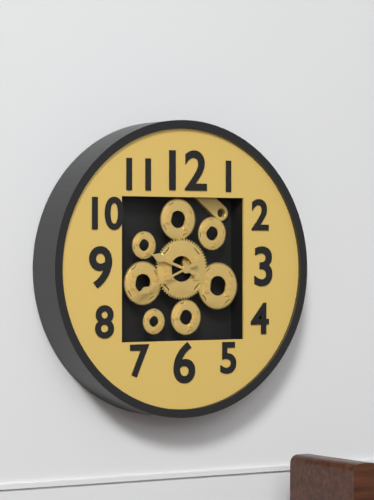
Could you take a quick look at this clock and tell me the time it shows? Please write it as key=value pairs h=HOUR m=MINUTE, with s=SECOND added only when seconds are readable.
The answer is h=9 m=41
